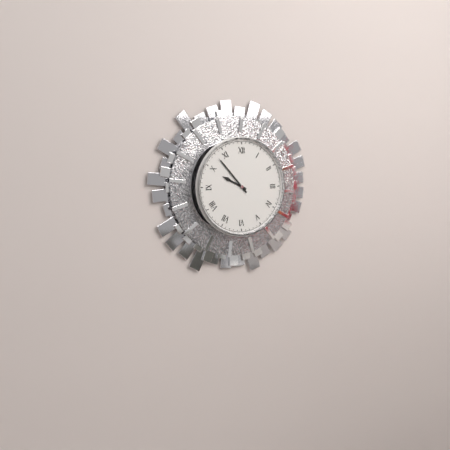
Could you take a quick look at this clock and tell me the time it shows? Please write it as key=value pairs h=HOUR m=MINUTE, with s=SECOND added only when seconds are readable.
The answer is h=9 m=53
